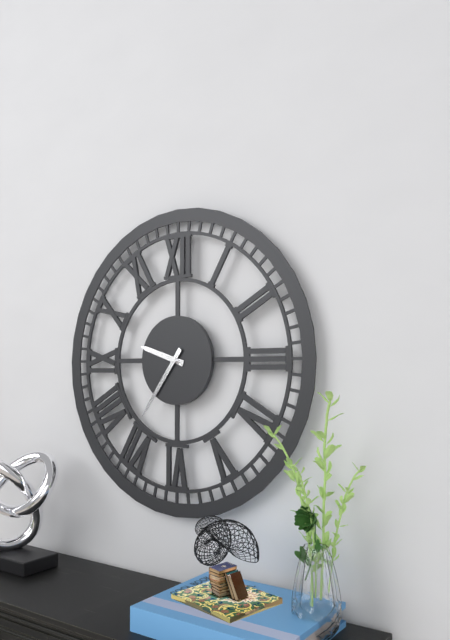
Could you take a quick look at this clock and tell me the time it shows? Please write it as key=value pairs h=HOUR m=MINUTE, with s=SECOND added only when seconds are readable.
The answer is h=9 m=36
